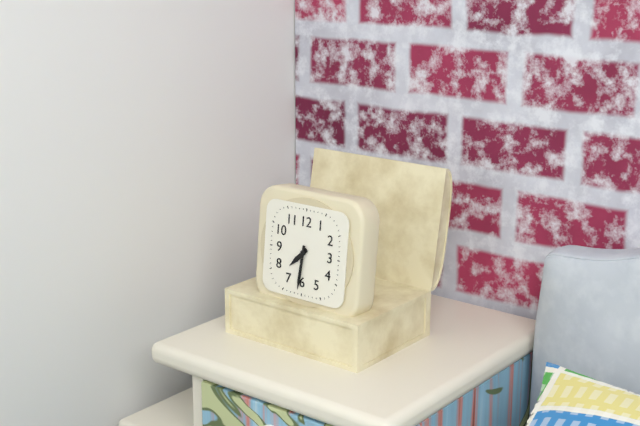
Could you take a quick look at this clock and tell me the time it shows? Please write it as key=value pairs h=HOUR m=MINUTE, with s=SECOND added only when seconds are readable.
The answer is h=7 m=31
